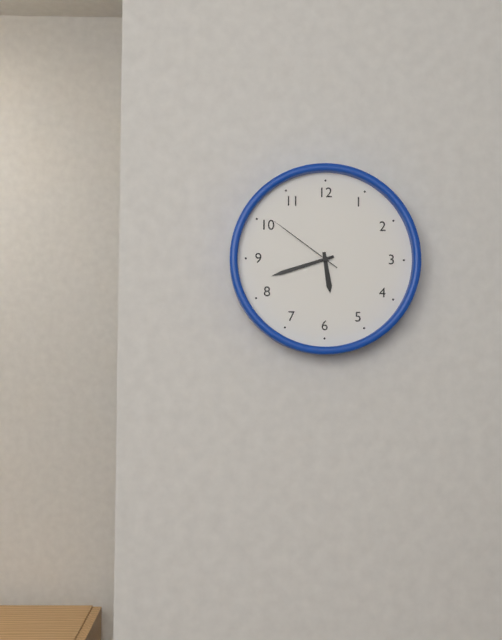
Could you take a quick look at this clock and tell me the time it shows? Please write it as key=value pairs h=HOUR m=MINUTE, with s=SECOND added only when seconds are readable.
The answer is h=5 m=42 s=51
